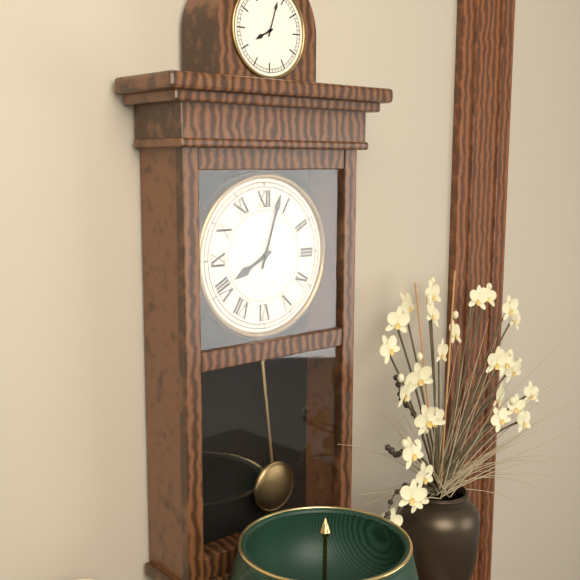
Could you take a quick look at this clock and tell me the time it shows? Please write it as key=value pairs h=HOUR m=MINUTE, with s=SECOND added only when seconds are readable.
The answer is h=8 m=3
